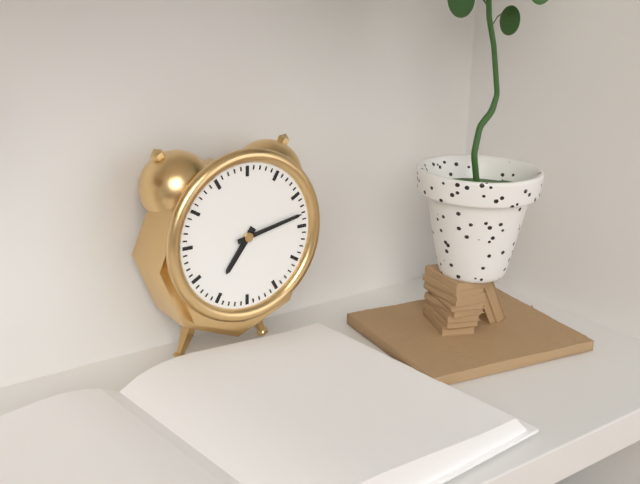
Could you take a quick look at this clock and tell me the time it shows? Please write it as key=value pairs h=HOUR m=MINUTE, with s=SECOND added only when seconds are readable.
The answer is h=7 m=13
